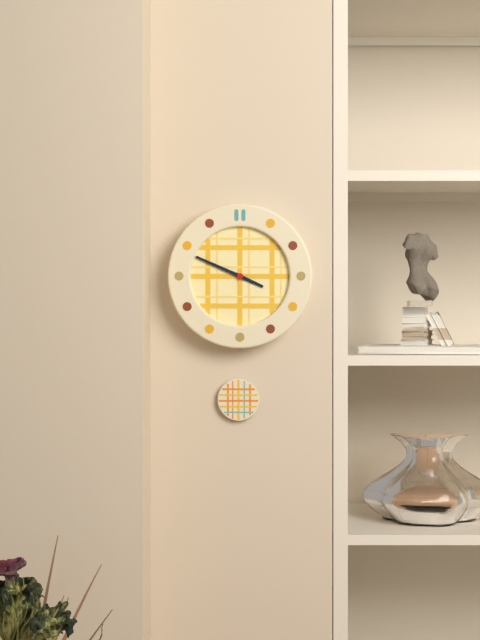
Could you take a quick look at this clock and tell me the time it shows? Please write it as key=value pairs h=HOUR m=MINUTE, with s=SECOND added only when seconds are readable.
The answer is h=3 m=49
